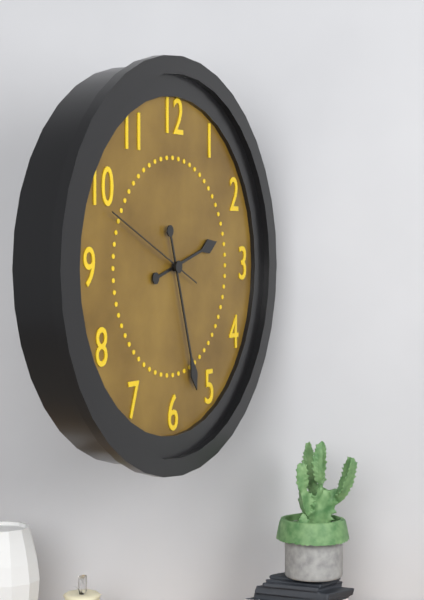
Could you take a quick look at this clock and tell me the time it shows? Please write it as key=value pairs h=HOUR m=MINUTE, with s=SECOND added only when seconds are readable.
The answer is h=2 m=27 s=49
